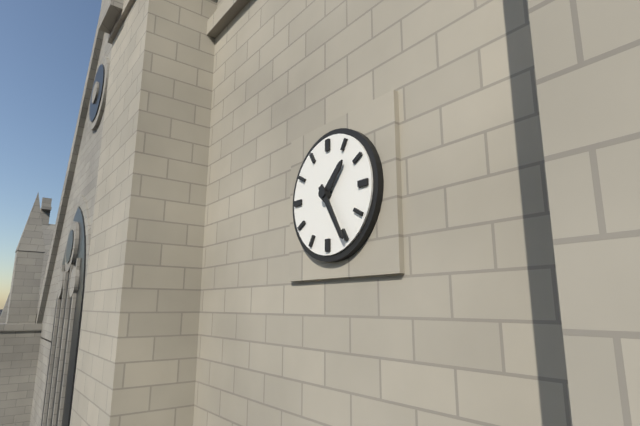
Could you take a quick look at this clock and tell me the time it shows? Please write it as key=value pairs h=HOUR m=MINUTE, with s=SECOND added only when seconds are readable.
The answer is h=1 m=25
